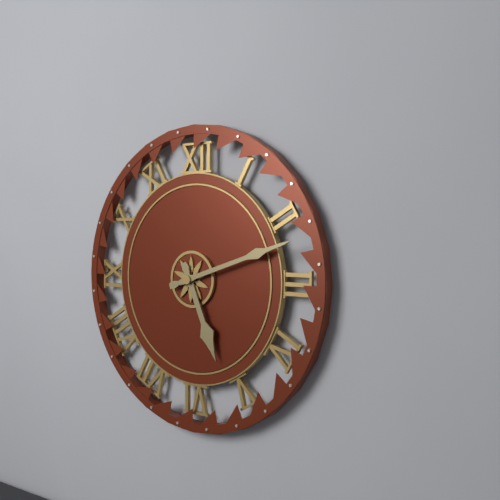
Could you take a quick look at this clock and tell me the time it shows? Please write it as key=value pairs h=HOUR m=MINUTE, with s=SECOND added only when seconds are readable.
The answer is h=5 m=12
